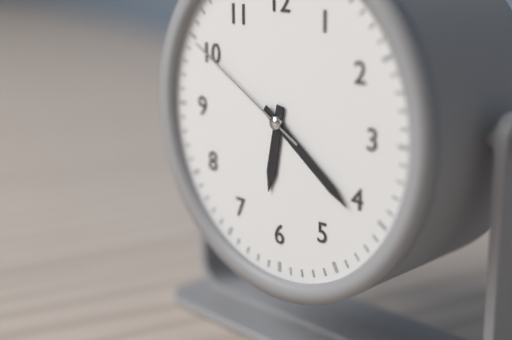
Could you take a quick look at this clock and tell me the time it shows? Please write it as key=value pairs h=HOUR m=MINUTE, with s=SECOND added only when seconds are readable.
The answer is h=6 m=21 s=50
